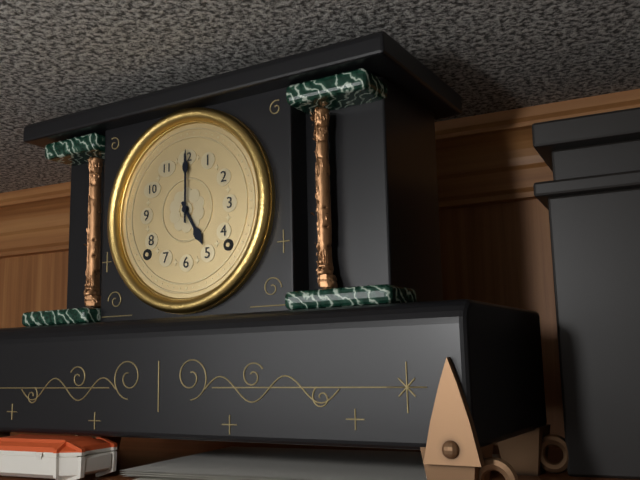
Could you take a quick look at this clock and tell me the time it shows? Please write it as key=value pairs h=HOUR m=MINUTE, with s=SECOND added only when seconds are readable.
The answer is h=5 m=0
